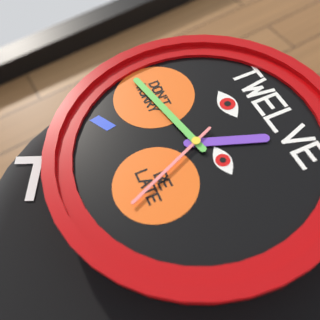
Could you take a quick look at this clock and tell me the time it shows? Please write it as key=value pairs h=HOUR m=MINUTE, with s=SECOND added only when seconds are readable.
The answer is h=12 m=43 s=26
